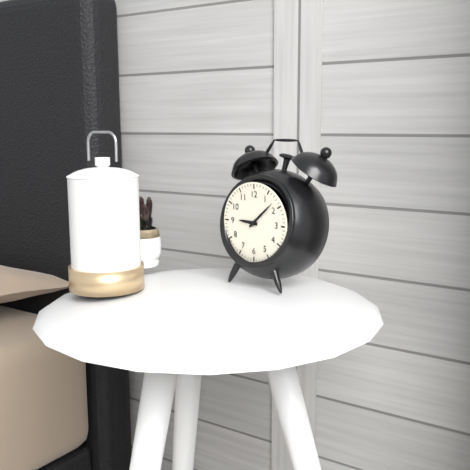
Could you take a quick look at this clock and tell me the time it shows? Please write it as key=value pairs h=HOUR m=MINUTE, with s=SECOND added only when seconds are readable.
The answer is h=9 m=8
